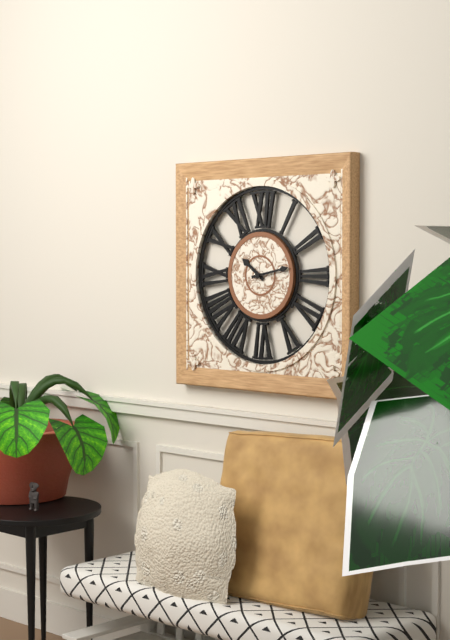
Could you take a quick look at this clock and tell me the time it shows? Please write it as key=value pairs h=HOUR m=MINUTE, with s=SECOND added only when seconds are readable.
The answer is h=10 m=13
